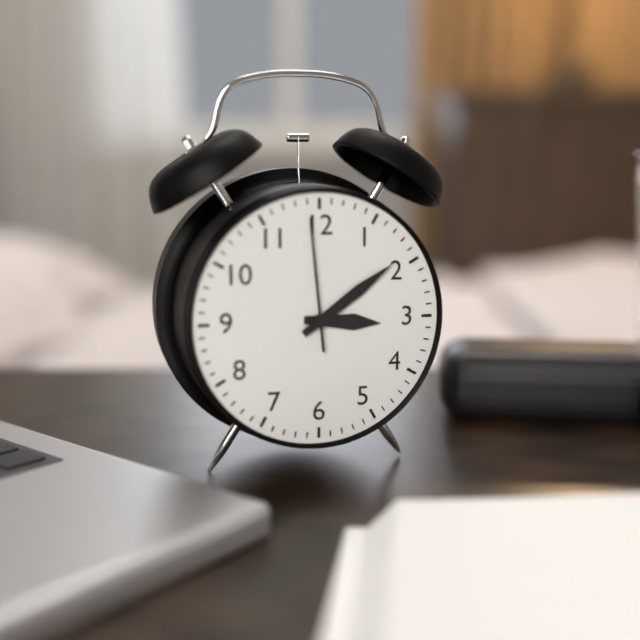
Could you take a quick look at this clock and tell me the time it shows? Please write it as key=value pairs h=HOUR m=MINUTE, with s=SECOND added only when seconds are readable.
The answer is h=3 m=9 s=59
